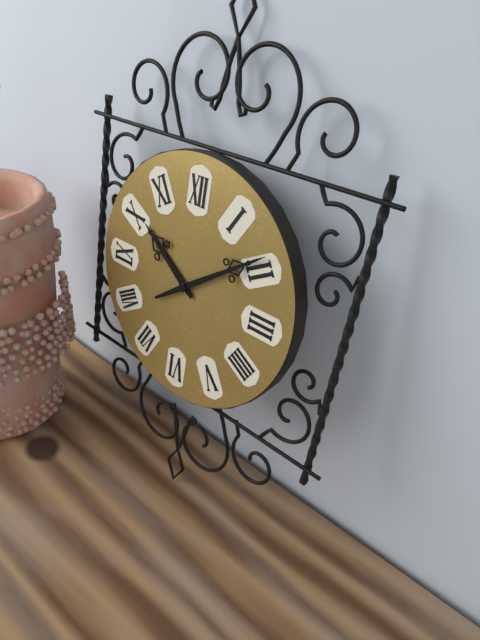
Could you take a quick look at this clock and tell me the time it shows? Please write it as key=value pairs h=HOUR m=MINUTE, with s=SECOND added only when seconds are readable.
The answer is h=10 m=9
